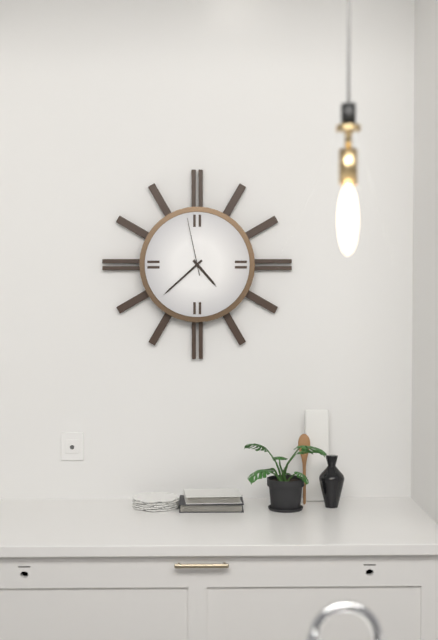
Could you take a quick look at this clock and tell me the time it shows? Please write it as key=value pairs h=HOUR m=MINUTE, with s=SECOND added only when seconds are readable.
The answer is h=4 m=38 s=58
